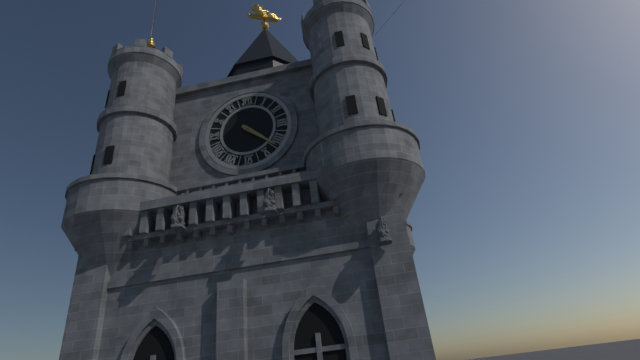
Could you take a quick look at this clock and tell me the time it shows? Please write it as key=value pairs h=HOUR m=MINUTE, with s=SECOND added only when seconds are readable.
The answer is h=4 m=22
